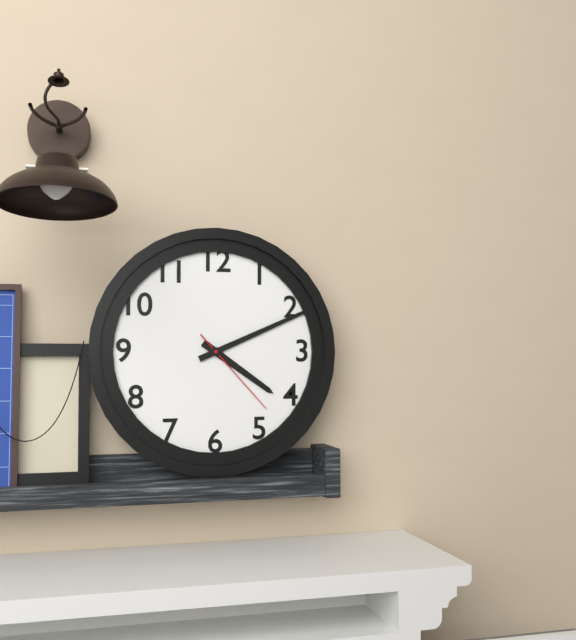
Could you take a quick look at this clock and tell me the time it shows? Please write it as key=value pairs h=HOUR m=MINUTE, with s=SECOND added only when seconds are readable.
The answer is h=4 m=11 s=23
